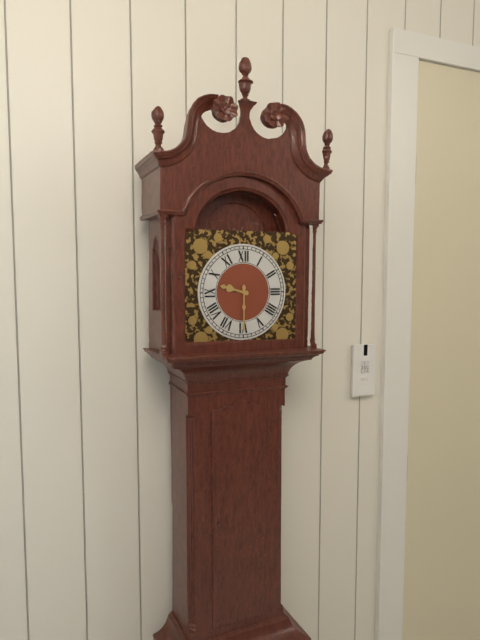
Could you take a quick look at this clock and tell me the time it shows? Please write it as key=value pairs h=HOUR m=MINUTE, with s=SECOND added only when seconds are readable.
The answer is h=9 m=30
